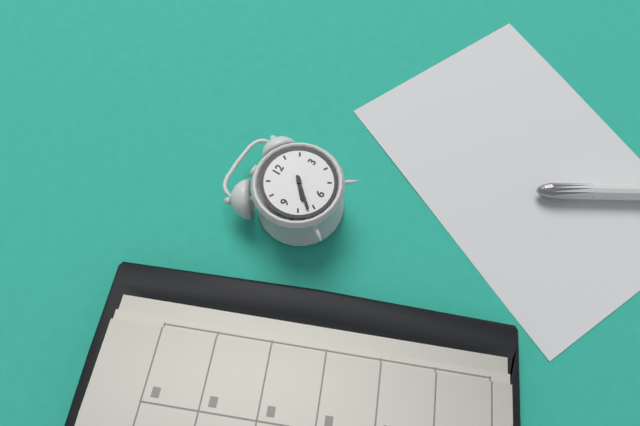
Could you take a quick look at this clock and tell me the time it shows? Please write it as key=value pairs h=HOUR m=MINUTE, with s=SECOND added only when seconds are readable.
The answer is h=7 m=37
